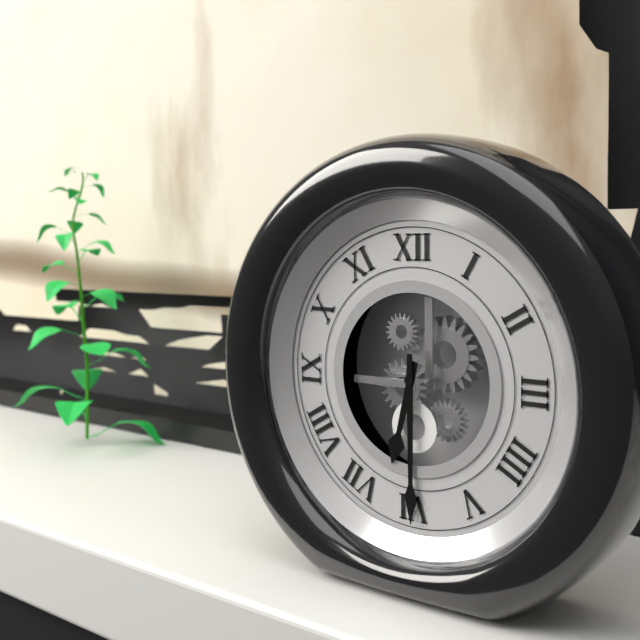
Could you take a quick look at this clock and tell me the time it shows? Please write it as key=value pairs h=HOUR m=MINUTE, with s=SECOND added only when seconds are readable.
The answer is h=6 m=30
